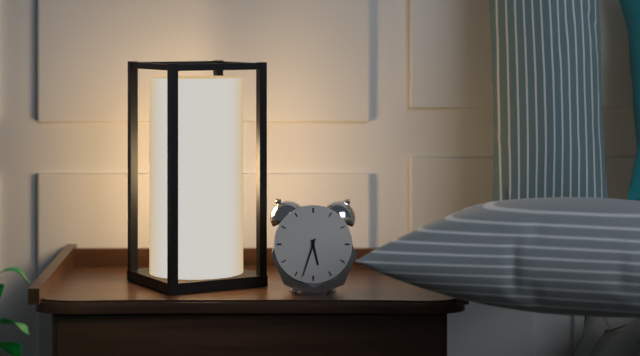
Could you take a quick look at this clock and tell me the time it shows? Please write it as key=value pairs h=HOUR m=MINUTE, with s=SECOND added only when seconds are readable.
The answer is h=5 m=33
